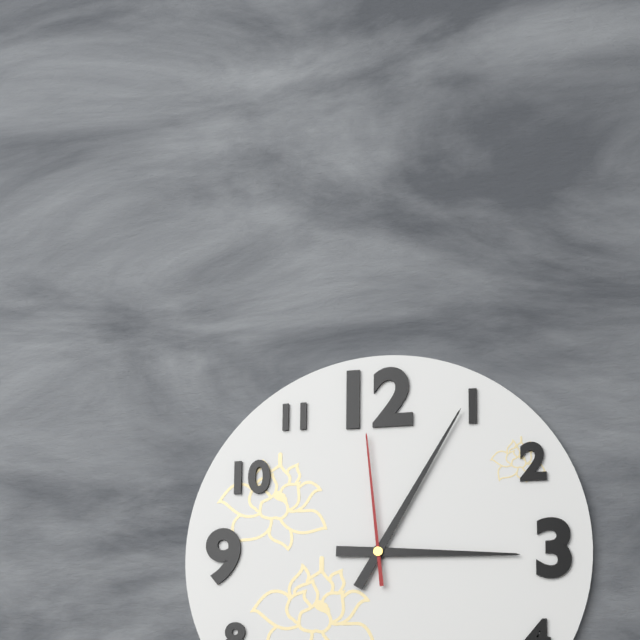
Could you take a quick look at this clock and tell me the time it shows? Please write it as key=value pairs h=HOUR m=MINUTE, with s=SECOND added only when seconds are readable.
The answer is h=3 m=5 s=59
